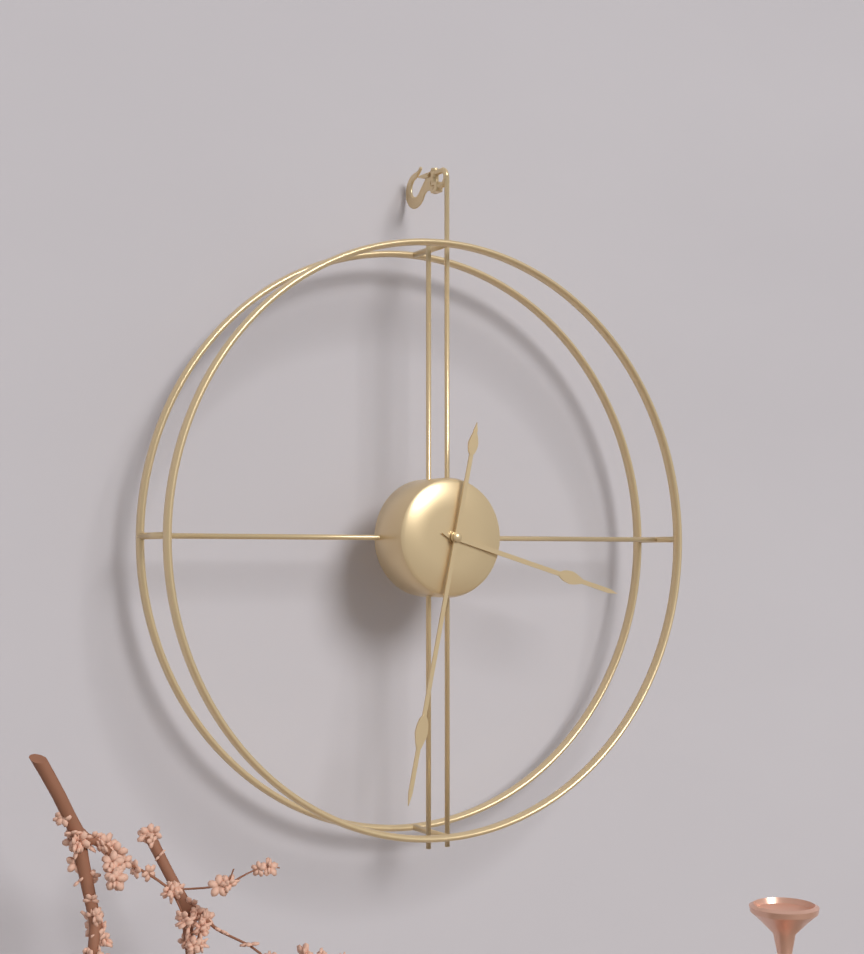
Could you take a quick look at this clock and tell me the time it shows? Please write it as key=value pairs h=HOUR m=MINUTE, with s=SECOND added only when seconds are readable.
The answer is h=3 m=32
